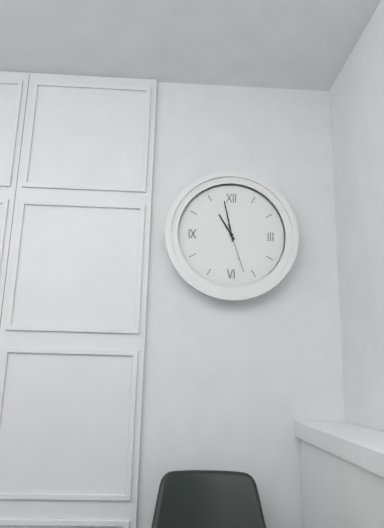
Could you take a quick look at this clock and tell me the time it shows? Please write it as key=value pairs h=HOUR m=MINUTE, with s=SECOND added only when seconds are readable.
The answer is h=10 m=58
